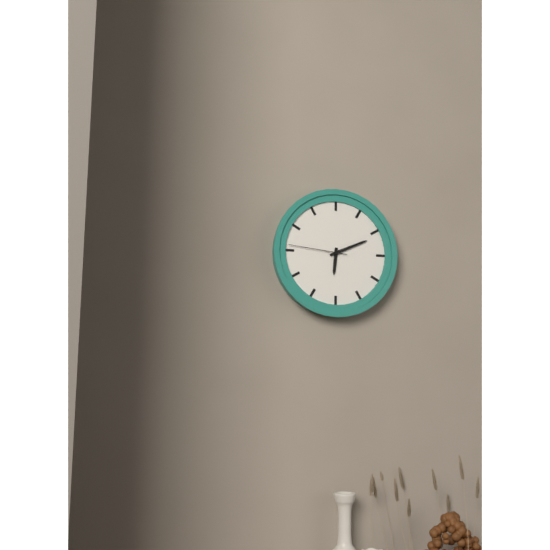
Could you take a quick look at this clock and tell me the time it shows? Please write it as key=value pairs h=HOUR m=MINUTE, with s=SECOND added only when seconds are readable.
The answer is h=6 m=11 s=46
